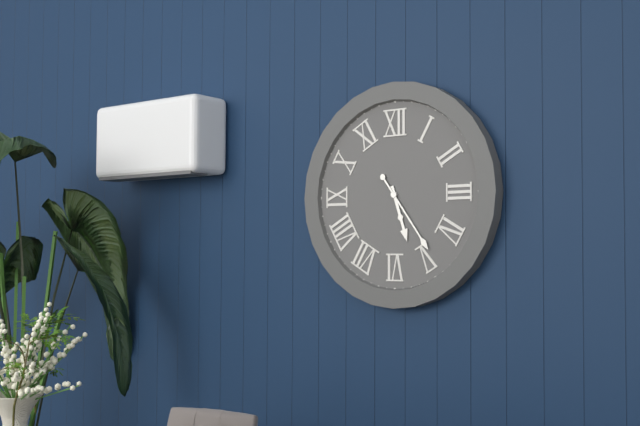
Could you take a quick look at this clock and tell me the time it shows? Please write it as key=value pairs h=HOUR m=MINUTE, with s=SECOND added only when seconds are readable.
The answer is h=5 m=24
